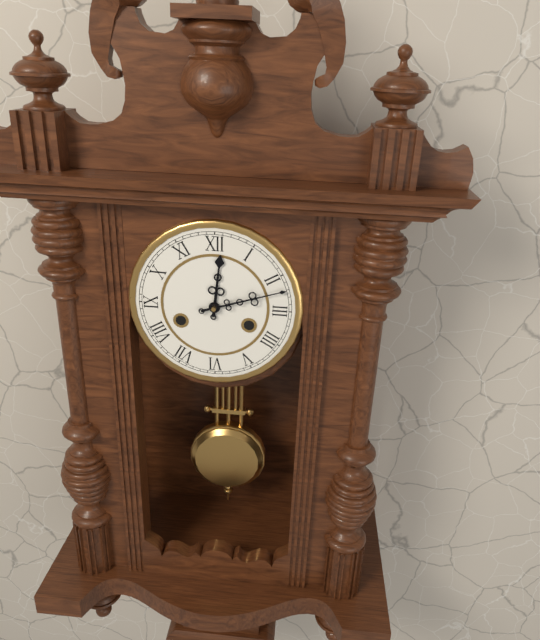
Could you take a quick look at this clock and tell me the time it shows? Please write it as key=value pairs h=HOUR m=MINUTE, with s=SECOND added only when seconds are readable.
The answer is h=12 m=12
